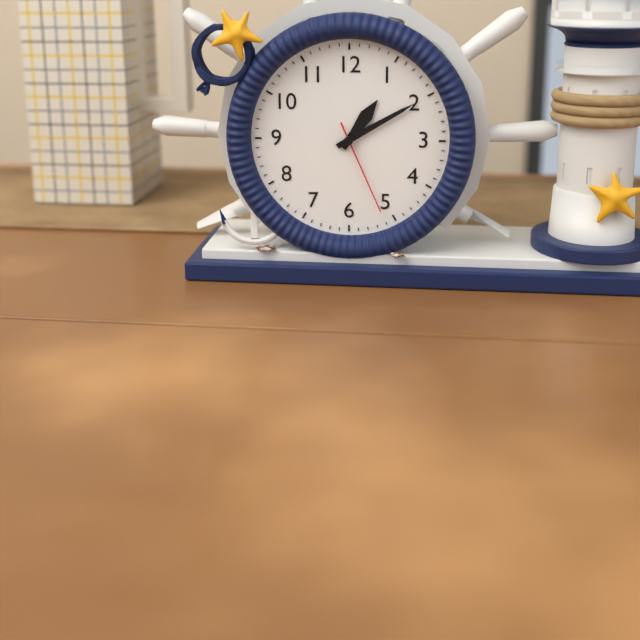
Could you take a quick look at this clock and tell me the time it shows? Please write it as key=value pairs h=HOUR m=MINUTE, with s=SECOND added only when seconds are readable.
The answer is h=1 m=10 s=26
